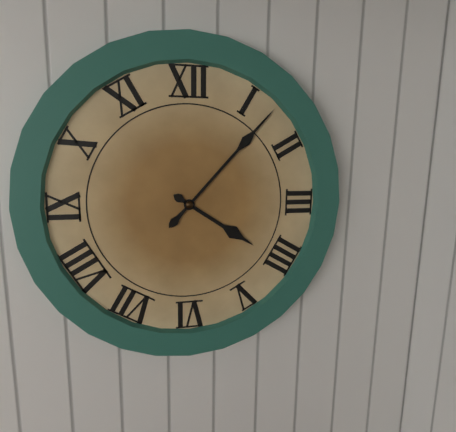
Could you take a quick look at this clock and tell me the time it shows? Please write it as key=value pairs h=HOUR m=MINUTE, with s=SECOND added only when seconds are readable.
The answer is h=4 m=7
